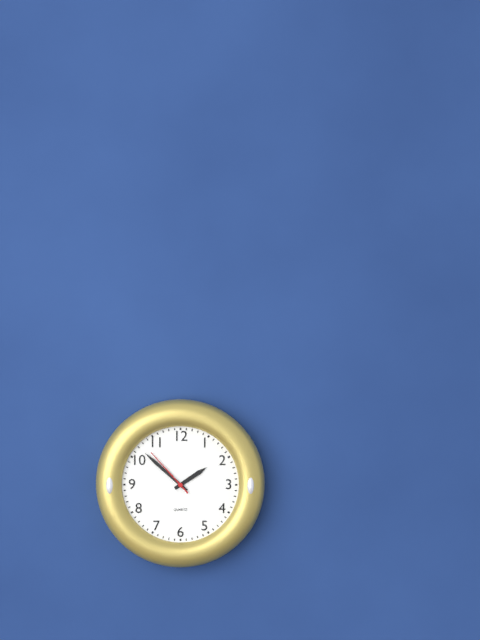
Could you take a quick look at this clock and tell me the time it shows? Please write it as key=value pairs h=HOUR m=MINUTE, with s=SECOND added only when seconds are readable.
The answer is h=1 m=52 s=53
